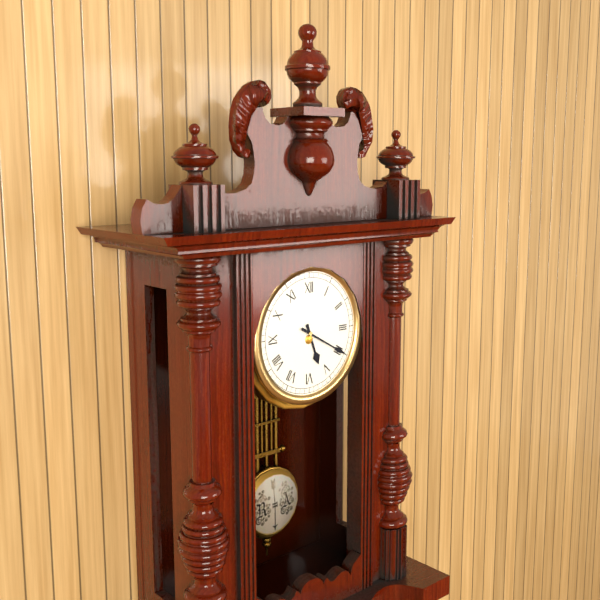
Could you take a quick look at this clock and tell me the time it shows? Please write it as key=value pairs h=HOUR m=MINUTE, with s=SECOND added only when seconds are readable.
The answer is h=5 m=20
